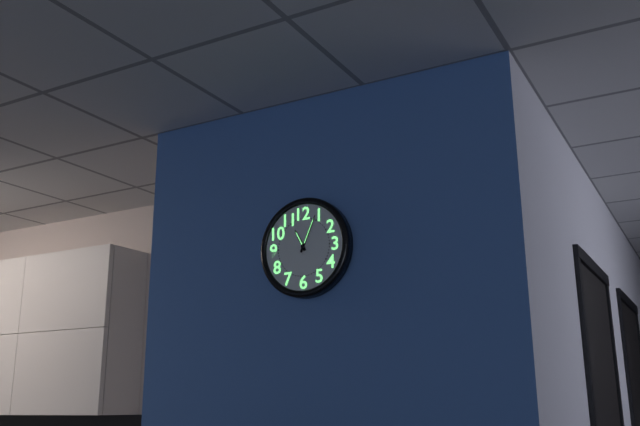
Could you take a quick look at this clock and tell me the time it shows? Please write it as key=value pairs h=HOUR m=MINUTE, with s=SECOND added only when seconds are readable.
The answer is h=11 m=4
